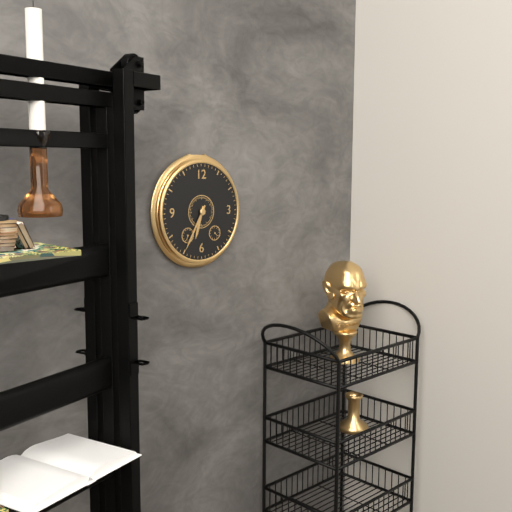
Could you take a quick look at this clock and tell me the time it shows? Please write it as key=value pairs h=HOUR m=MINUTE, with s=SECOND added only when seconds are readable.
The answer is h=6 m=35
